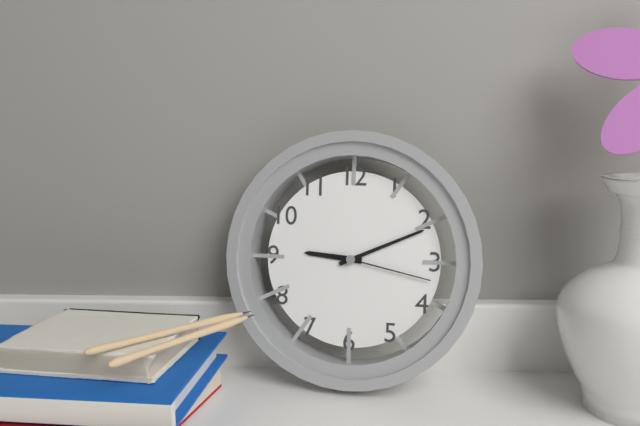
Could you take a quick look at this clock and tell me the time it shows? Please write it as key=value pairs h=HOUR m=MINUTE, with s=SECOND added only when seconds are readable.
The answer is h=9 m=11 s=17
